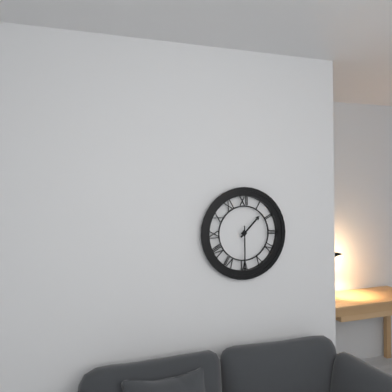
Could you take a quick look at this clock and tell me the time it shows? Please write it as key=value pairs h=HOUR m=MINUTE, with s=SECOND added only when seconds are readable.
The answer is h=1 m=30
